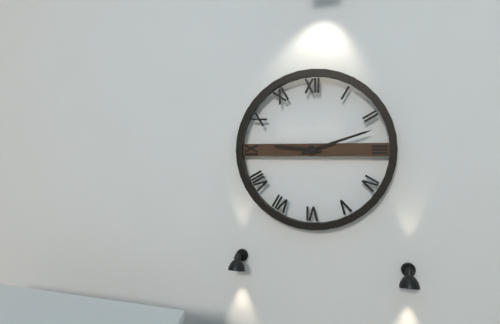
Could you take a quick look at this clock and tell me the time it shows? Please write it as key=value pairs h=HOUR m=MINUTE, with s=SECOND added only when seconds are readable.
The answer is h=9 m=12
